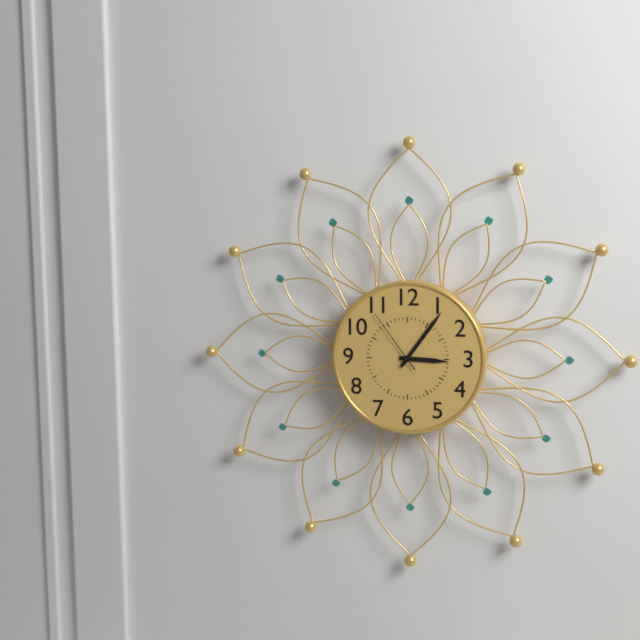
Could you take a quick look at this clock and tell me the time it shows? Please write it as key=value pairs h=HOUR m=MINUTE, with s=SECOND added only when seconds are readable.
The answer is h=3 m=6 s=54
